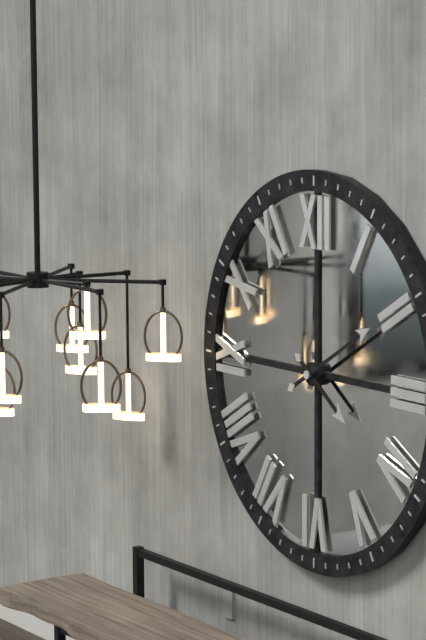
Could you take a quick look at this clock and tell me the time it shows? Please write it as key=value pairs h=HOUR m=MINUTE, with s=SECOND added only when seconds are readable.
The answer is h=4 m=10
